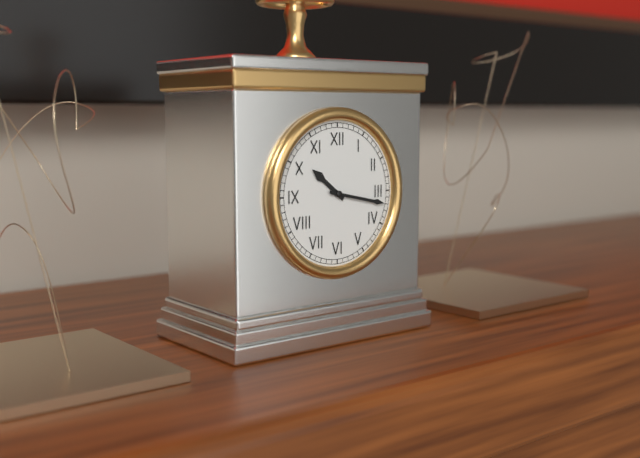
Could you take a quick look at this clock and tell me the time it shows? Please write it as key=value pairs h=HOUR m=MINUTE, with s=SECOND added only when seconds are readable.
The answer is h=10 m=17
